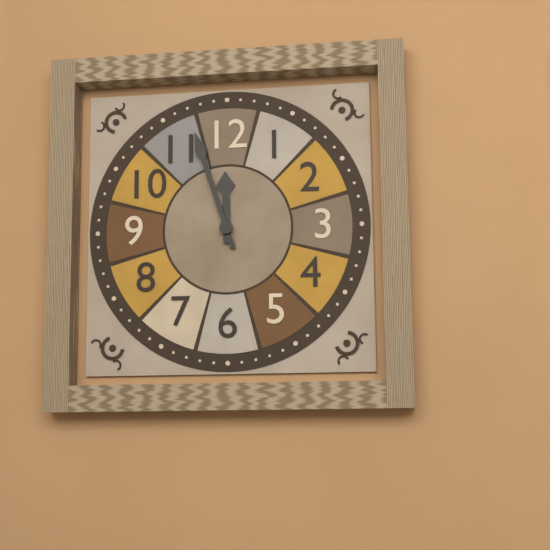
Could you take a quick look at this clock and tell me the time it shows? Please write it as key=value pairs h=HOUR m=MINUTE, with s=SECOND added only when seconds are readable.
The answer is h=11 m=57
